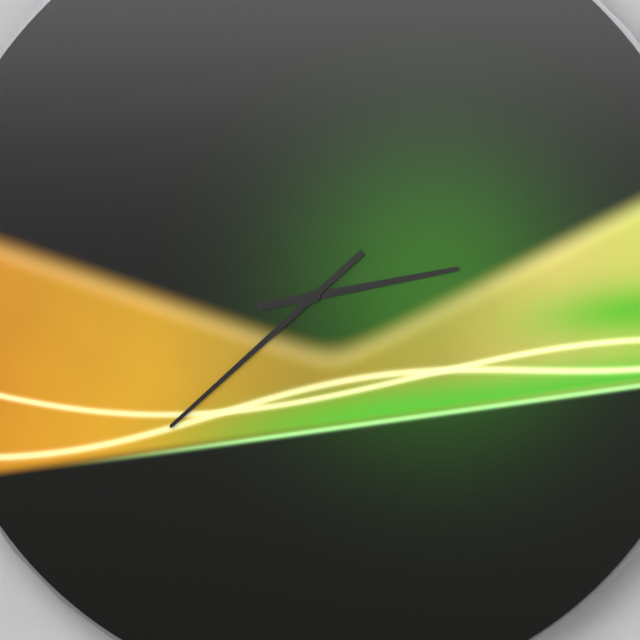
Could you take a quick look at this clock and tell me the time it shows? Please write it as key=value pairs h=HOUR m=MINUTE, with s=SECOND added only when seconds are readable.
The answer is h=2 m=38
